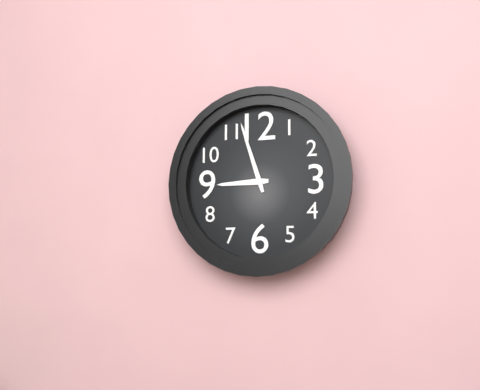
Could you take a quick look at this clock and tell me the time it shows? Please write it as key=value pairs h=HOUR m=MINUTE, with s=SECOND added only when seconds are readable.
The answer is h=8 m=57
